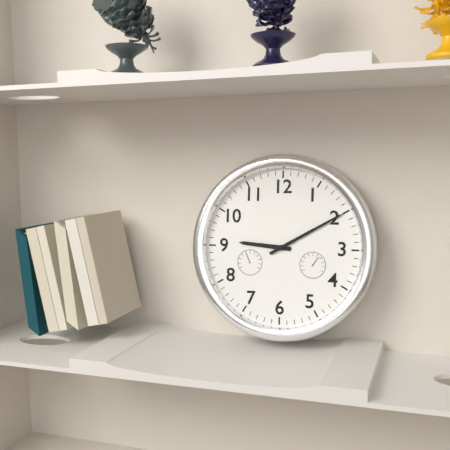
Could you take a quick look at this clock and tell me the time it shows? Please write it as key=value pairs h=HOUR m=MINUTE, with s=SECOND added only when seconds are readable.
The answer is h=9 m=10
